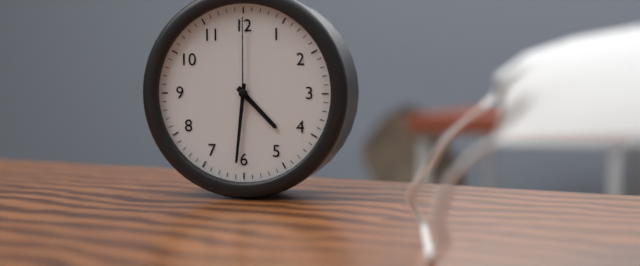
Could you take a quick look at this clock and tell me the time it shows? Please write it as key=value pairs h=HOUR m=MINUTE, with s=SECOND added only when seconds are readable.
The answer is h=4 m=31 s=0
